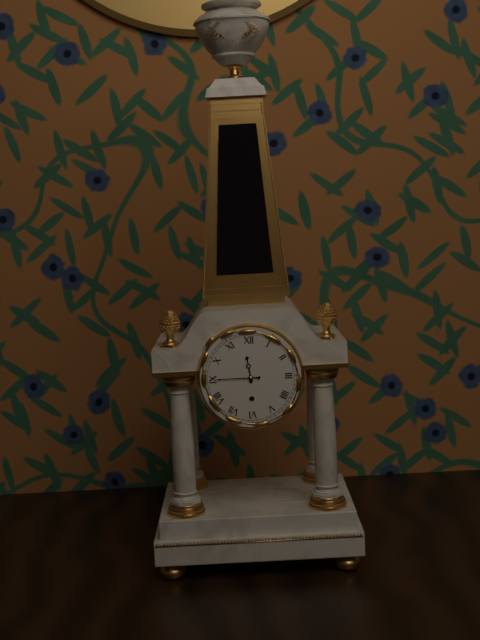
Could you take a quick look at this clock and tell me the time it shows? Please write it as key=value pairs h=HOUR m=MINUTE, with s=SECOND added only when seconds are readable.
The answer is h=11 m=45
